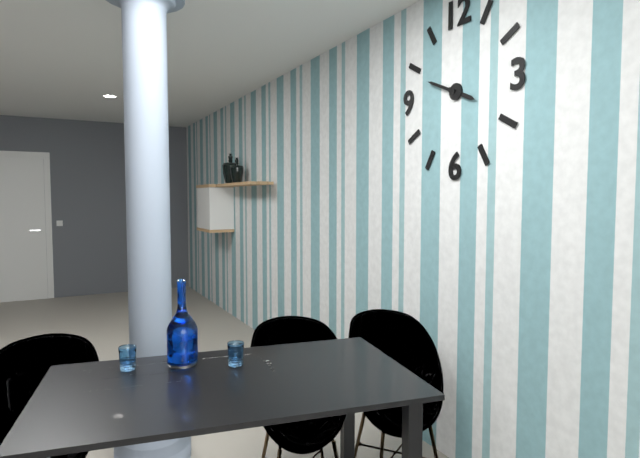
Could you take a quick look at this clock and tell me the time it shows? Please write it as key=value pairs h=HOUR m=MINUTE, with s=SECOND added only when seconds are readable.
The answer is h=3 m=49
